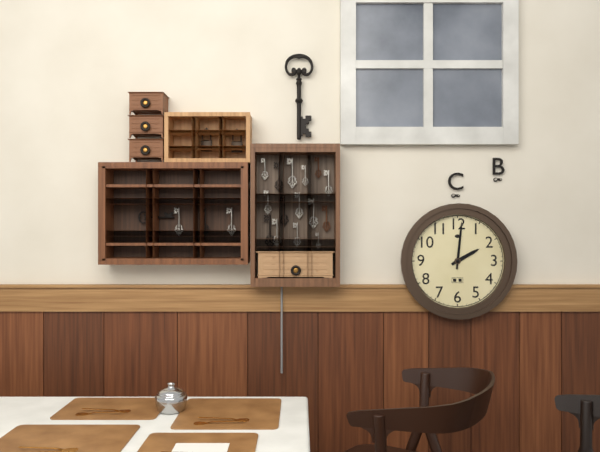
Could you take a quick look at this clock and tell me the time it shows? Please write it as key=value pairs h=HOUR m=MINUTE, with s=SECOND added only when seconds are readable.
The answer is h=2 m=1
